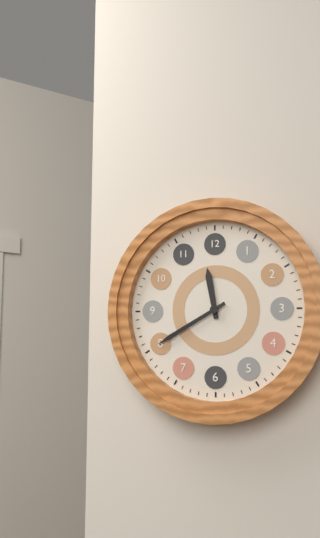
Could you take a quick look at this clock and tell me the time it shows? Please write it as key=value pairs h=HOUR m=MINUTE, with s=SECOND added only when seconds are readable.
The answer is h=11 m=40
